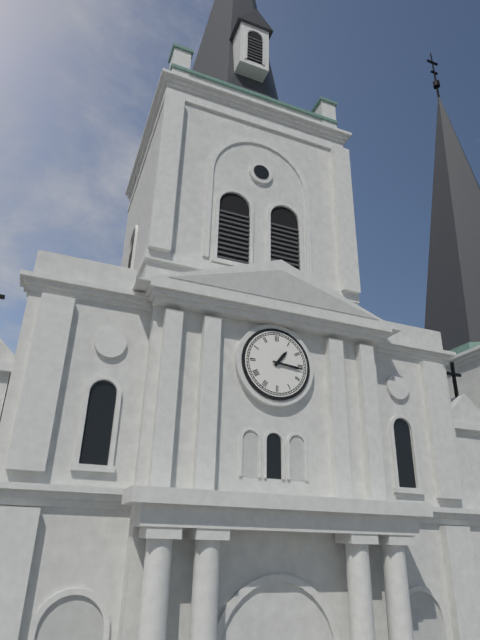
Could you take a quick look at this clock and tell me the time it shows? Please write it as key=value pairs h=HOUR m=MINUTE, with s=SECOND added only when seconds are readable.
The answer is h=1 m=16
